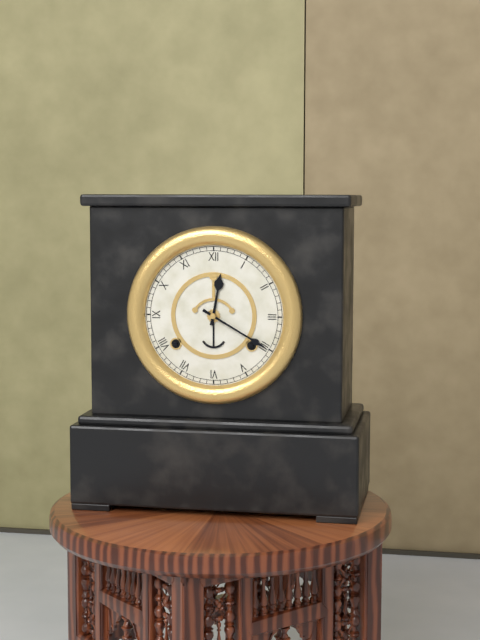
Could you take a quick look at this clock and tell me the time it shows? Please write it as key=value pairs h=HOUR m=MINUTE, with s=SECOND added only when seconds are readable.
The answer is h=12 m=20
